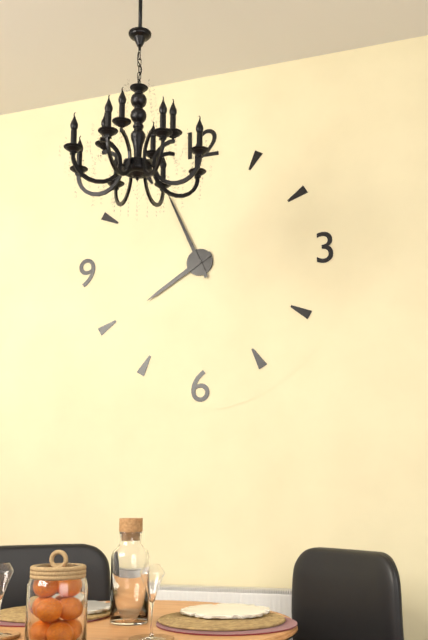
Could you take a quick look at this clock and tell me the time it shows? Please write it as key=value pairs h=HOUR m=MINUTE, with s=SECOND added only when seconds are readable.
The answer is h=7 m=56
